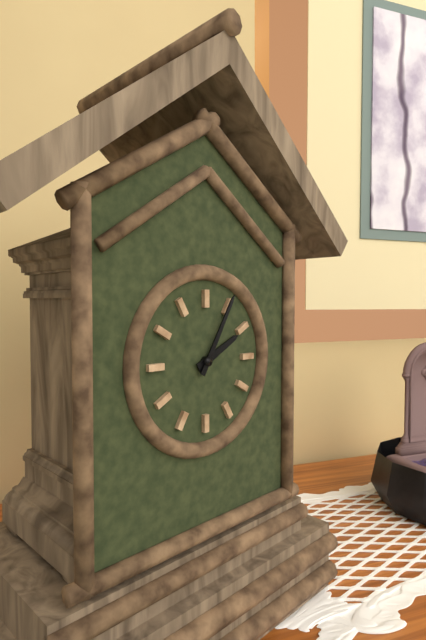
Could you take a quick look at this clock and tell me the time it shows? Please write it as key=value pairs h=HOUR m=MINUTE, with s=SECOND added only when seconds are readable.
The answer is h=2 m=5
